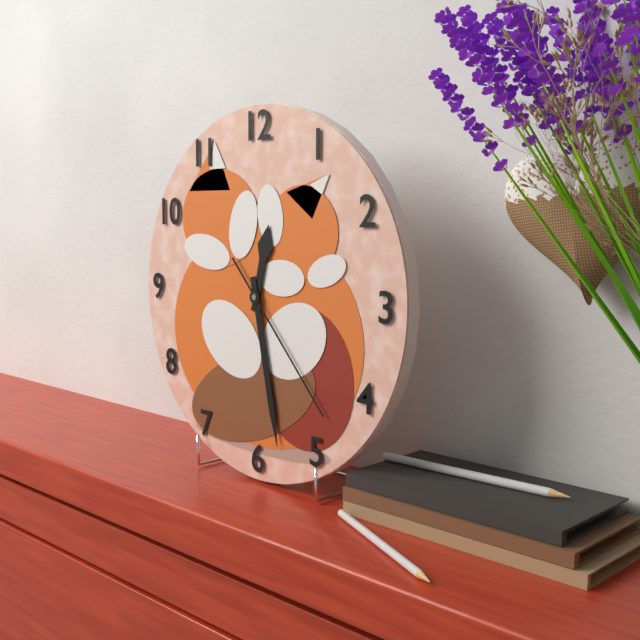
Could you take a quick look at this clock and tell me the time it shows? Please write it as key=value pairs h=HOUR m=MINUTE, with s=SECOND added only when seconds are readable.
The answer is h=12 m=28 s=23
